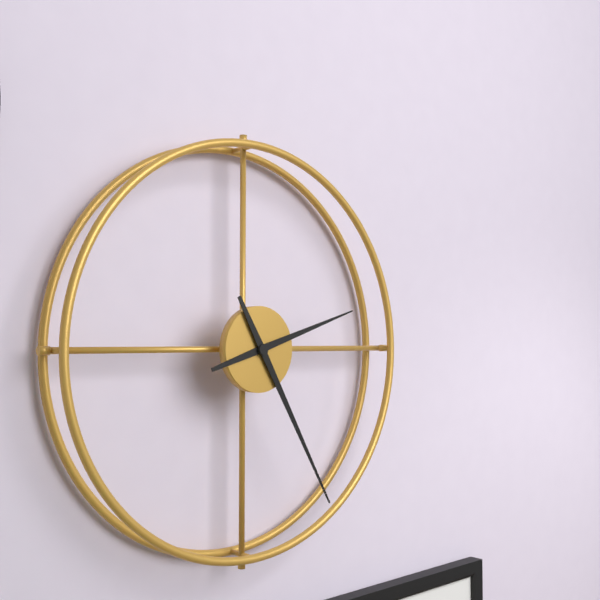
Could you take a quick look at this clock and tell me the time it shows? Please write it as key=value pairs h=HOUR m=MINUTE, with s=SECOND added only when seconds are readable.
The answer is h=2 m=25
